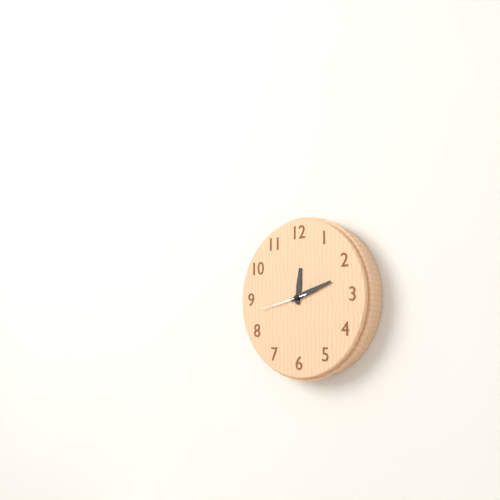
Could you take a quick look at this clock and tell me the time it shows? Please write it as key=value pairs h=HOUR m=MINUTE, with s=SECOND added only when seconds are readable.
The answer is h=12 m=12
